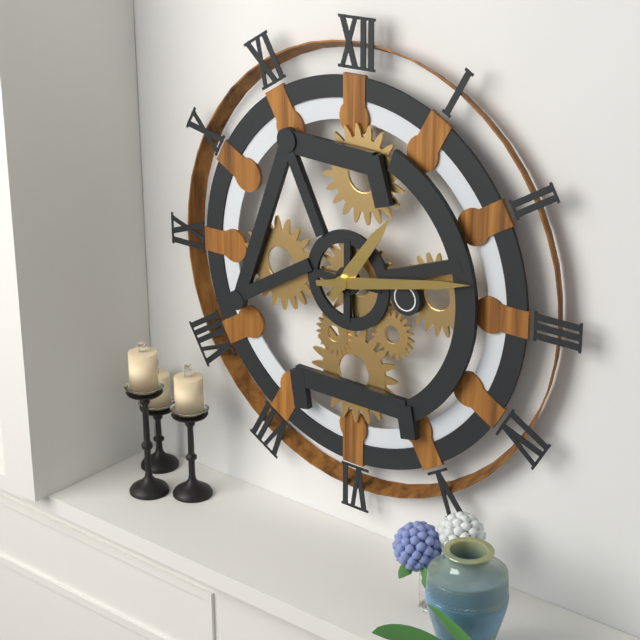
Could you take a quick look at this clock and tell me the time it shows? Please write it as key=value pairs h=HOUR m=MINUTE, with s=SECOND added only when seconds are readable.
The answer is h=1 m=13
